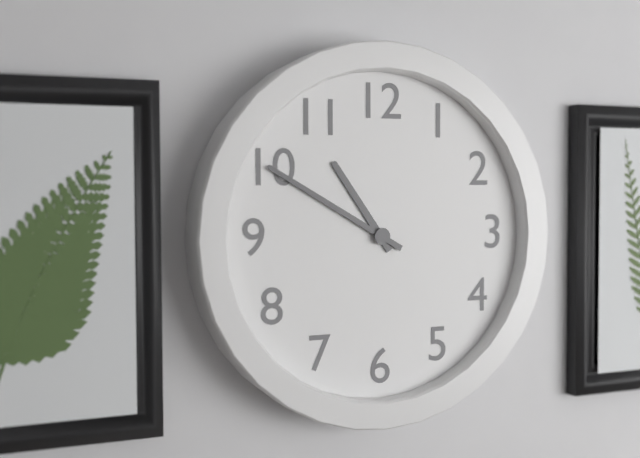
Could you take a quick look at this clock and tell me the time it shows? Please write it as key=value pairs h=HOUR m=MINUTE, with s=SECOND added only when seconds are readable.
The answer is h=10 m=50
